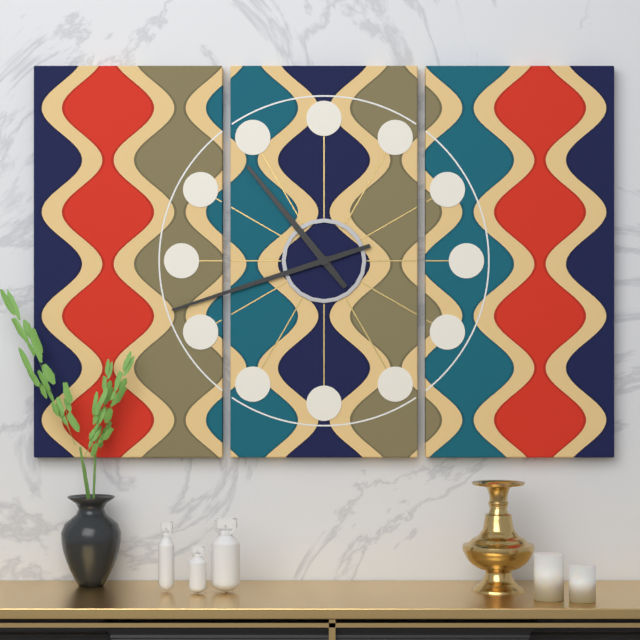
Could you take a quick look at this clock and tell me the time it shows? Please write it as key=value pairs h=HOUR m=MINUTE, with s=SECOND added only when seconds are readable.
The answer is h=10 m=42
